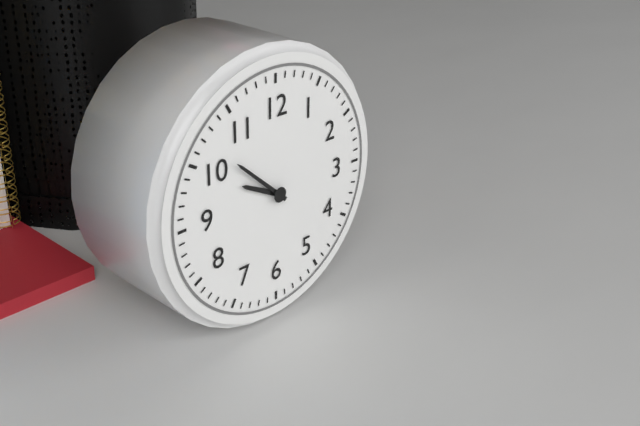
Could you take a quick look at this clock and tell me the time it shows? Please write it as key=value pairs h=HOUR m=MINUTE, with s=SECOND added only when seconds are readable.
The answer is h=9 m=52
